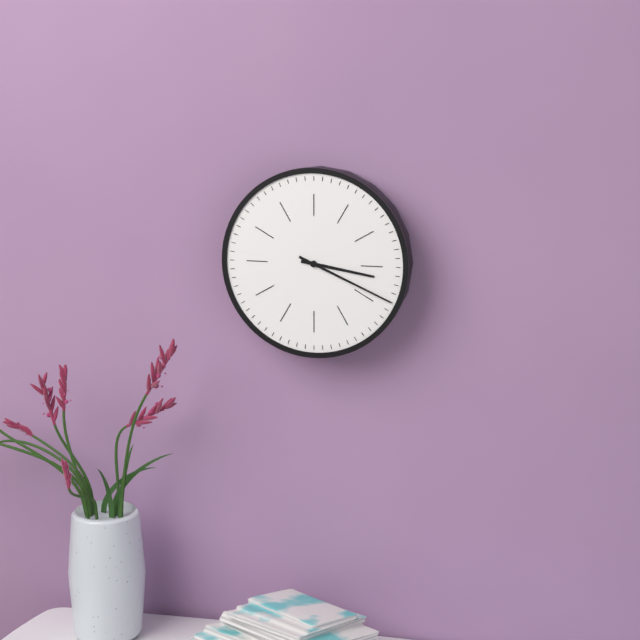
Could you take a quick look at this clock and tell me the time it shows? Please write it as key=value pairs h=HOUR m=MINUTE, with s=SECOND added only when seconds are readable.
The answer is h=3 m=19
